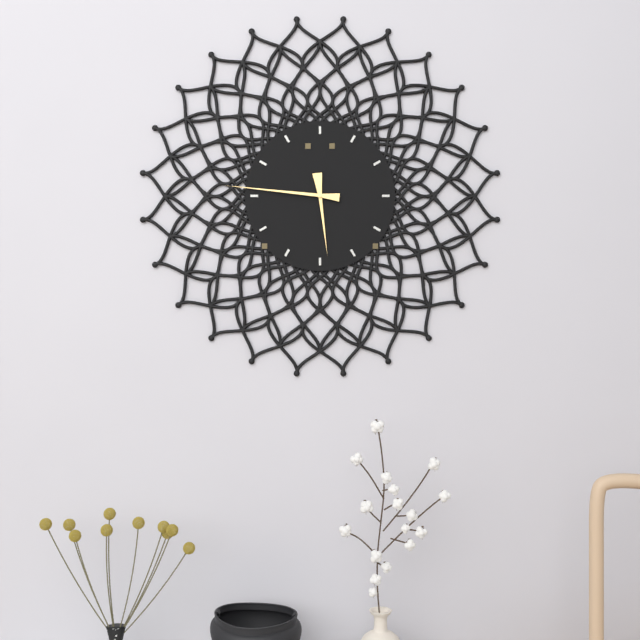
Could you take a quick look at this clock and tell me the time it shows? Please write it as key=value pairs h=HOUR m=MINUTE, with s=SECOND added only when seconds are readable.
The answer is h=5 m=46
